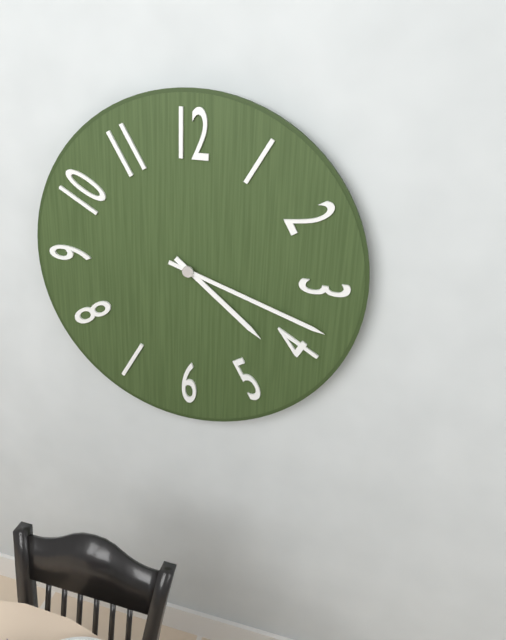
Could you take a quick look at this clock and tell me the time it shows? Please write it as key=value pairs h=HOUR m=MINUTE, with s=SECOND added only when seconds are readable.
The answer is h=4 m=18
